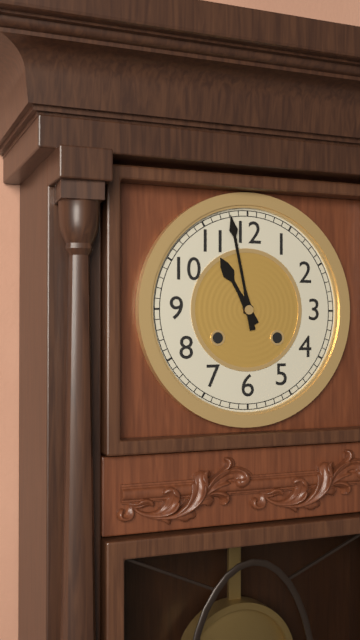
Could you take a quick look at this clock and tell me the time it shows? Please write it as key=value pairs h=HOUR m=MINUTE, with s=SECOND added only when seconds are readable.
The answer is h=10 m=58
